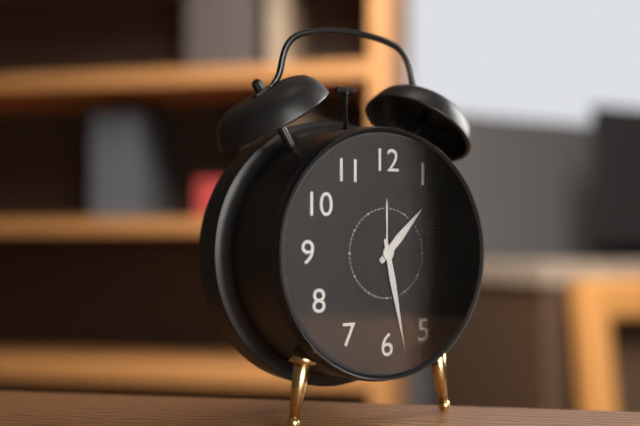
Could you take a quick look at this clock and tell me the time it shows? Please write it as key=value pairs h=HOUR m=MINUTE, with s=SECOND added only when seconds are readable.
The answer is h=1 m=28
